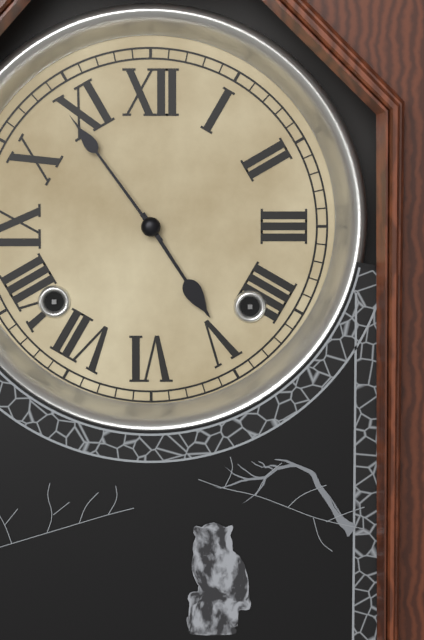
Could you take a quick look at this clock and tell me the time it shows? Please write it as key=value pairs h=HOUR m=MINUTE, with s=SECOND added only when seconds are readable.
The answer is h=4 m=54
